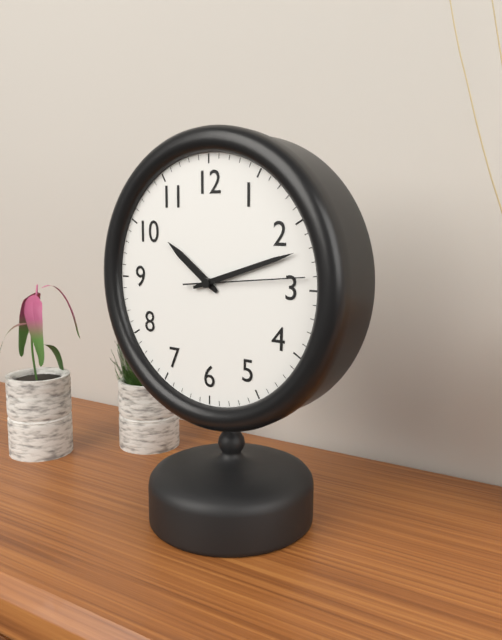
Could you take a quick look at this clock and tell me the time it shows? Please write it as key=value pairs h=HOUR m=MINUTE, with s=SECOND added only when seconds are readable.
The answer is h=10 m=12 s=14
